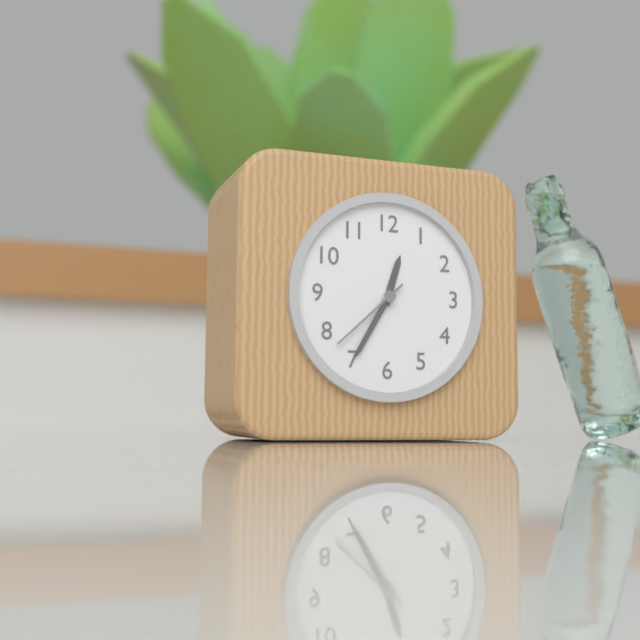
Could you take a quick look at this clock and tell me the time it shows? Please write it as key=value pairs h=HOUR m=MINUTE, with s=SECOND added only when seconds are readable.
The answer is h=12 m=35 s=38
